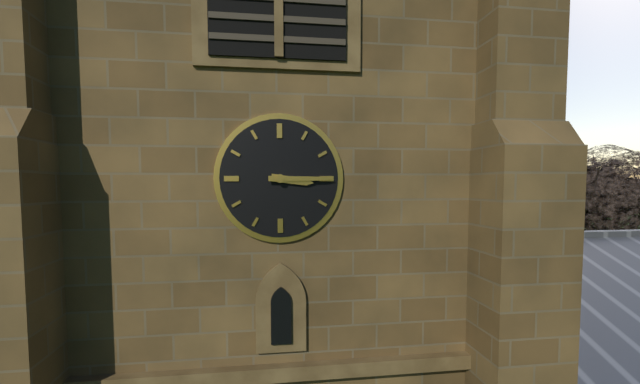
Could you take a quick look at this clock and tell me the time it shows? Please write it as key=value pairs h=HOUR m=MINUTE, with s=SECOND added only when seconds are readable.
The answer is h=3 m=15
